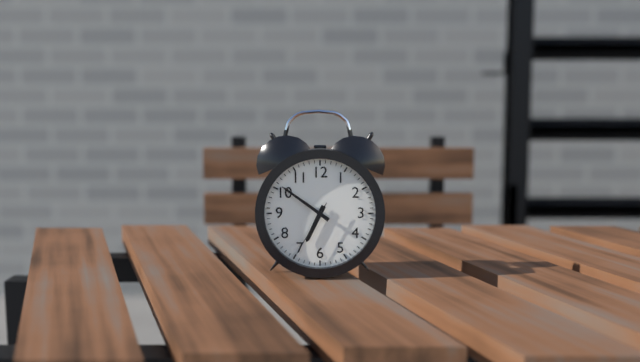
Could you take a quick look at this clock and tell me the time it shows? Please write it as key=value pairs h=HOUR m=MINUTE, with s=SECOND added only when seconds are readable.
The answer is h=6 m=51 s=35
